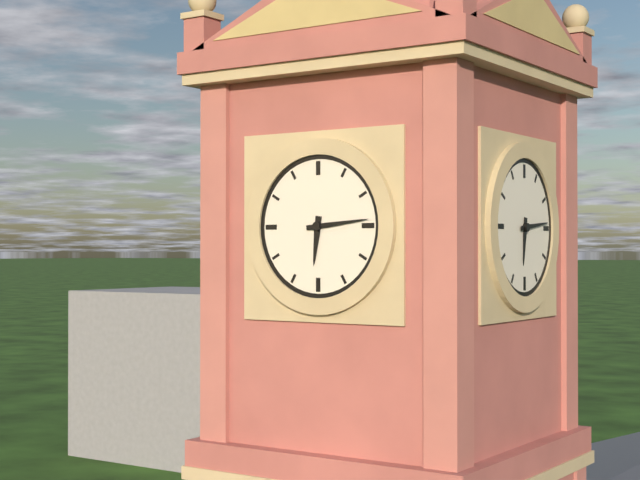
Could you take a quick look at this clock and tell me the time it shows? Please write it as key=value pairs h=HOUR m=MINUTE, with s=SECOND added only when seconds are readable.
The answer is h=6 m=14
